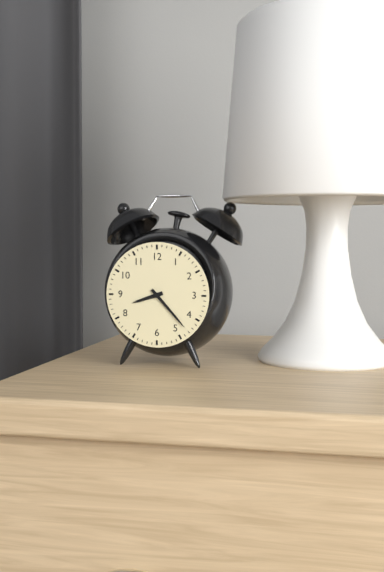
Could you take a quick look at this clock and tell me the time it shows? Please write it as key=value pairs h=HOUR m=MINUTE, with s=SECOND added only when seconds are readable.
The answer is h=8 m=23
